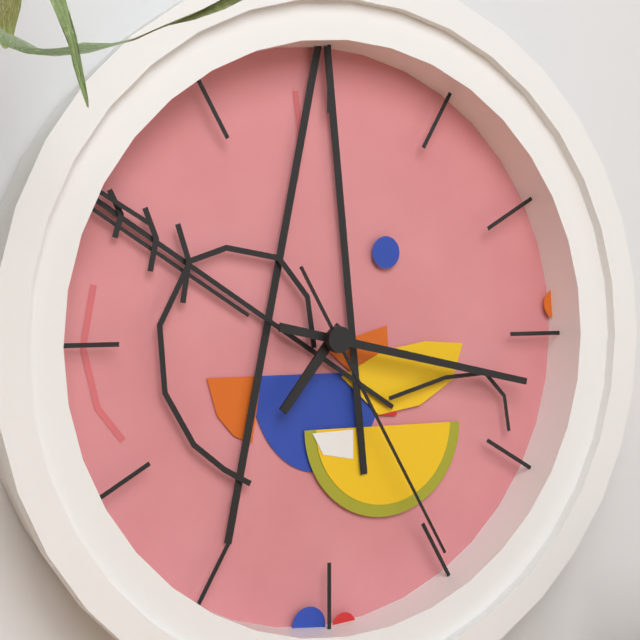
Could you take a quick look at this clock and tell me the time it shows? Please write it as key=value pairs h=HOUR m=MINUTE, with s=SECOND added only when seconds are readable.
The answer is h=7 m=17 s=25
